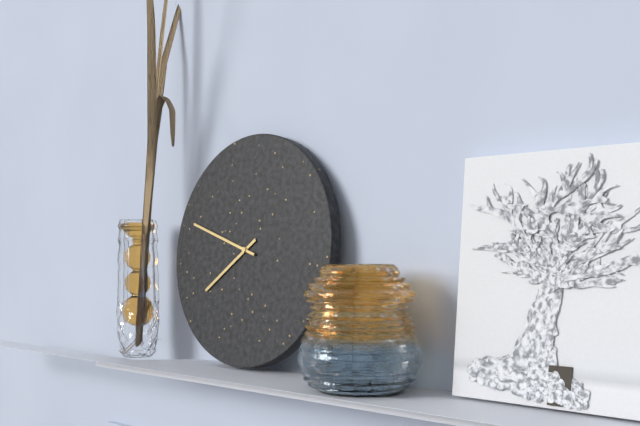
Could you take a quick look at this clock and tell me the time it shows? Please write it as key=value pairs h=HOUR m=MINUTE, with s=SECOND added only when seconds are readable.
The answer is h=7 m=48
